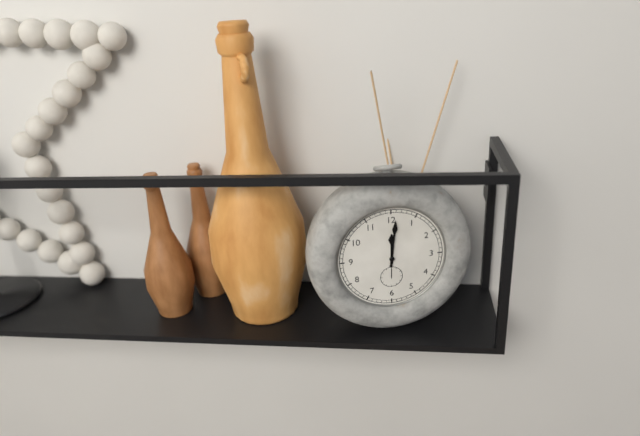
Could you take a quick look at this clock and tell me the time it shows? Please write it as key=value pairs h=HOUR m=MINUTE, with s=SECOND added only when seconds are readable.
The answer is h=12 m=1
